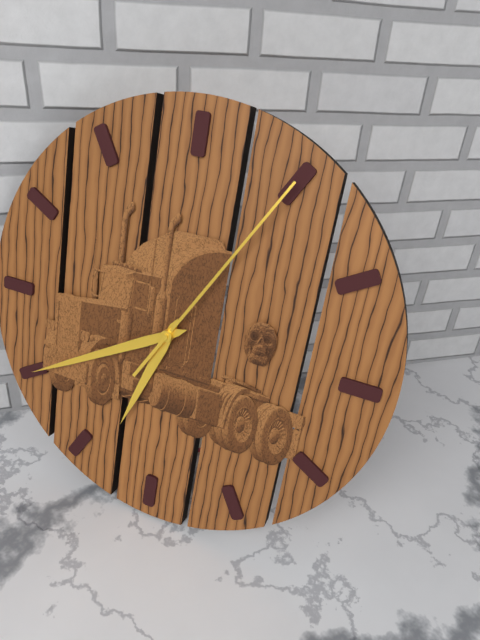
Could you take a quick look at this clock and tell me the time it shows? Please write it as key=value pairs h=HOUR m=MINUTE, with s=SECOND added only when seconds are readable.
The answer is h=6 m=40 s=5
